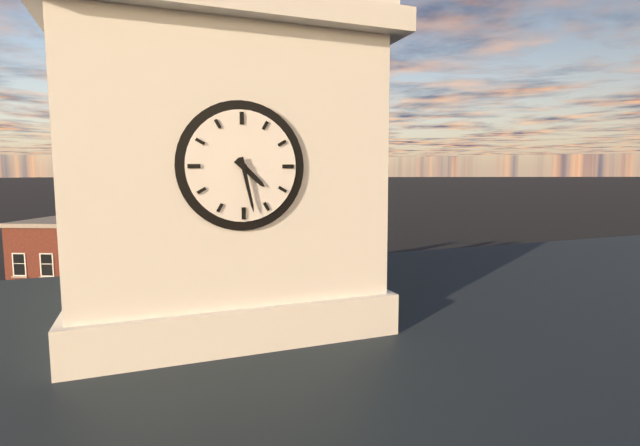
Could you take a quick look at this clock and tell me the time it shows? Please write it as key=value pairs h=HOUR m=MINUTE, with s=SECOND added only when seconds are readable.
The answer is h=4 m=28
